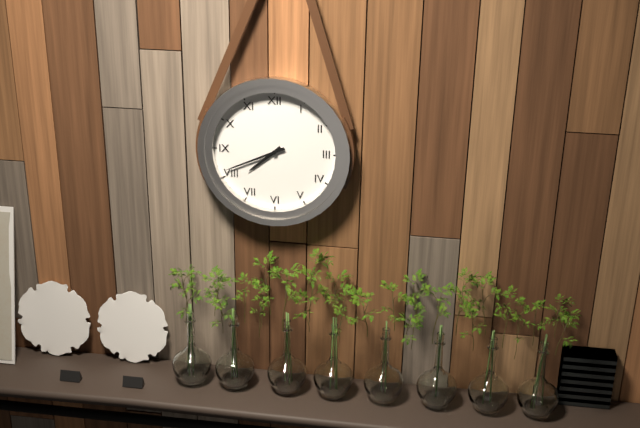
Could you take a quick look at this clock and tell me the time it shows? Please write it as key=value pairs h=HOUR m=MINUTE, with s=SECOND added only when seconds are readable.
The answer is h=7 m=41
